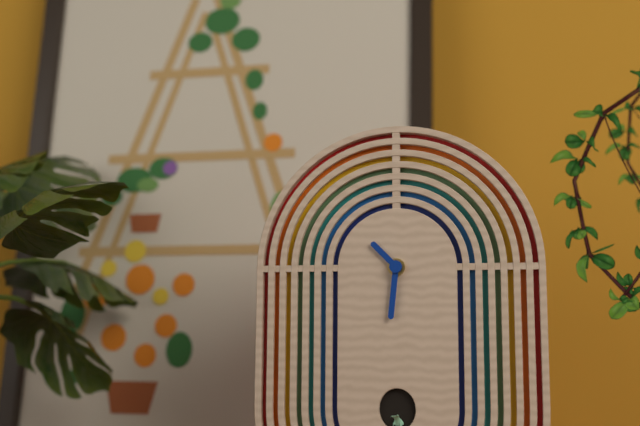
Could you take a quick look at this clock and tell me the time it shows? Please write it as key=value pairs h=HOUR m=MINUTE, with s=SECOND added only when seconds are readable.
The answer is h=10 m=31
